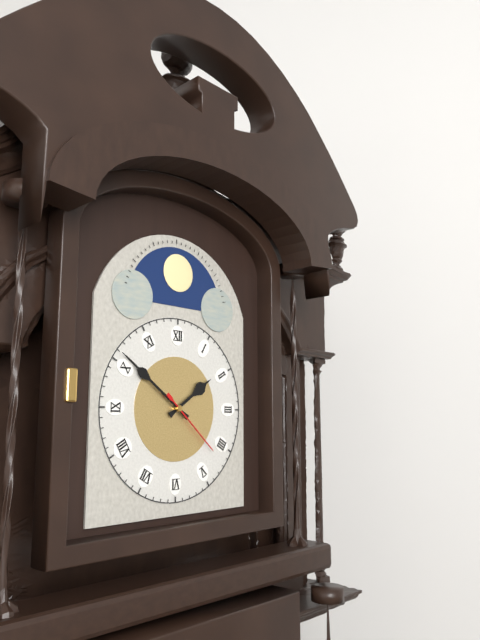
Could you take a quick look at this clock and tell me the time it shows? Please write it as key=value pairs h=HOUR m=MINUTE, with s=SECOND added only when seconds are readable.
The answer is h=1 m=51 s=22
